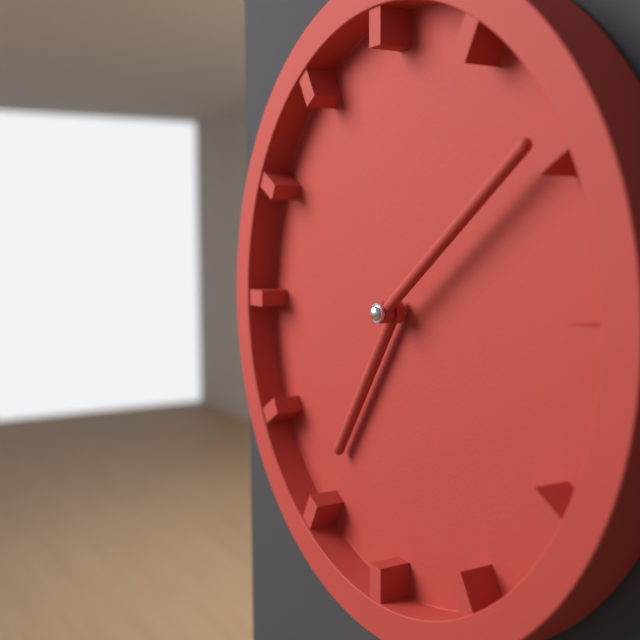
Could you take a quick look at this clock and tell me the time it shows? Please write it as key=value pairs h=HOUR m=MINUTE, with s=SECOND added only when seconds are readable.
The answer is h=7 m=9
